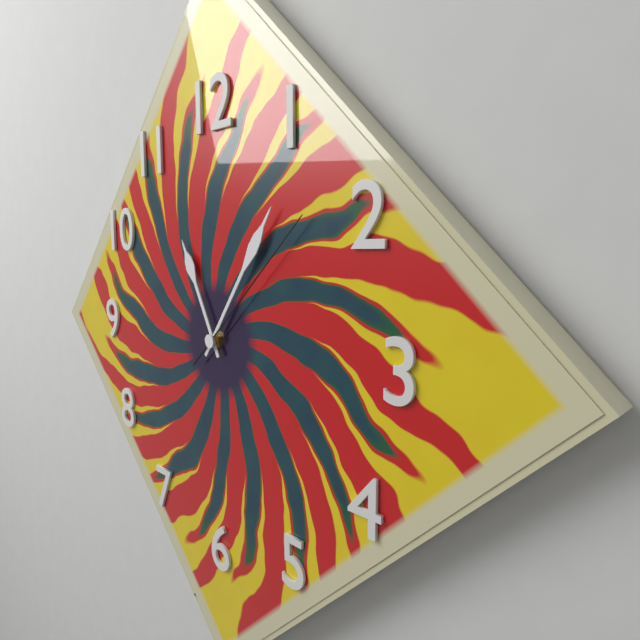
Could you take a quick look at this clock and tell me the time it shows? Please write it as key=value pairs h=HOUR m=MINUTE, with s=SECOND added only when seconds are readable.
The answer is h=11 m=6 s=8
